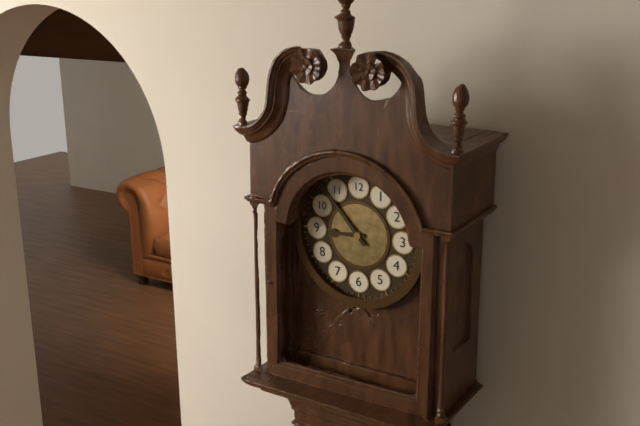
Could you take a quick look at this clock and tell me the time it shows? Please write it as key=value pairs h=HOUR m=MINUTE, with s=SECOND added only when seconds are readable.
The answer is h=8 m=53
